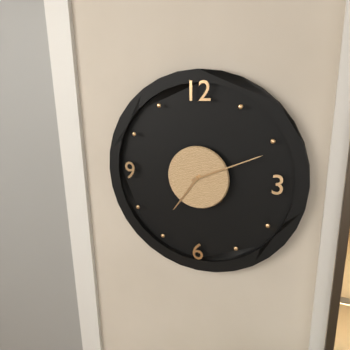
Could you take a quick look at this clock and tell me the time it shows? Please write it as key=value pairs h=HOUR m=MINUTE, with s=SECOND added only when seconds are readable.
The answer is h=7 m=11
